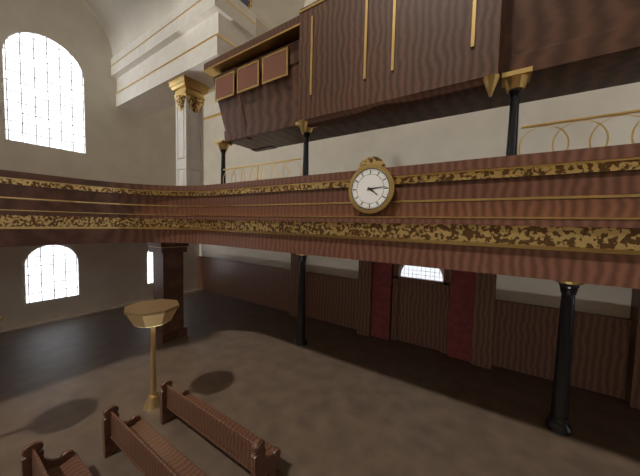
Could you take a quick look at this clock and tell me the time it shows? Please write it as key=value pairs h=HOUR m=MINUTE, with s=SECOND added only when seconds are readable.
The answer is h=4 m=14
